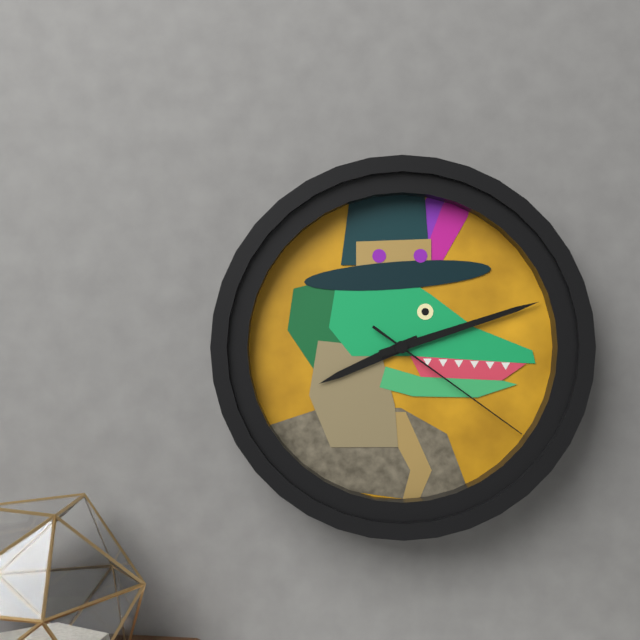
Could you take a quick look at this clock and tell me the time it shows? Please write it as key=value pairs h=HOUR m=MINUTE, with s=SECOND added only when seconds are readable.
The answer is h=8 m=12 s=21
